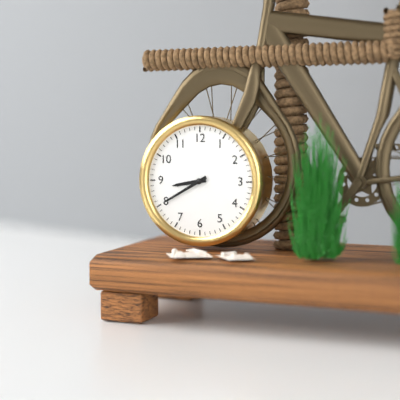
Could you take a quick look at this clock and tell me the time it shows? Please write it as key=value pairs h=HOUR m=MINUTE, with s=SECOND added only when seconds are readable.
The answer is h=8 m=40
